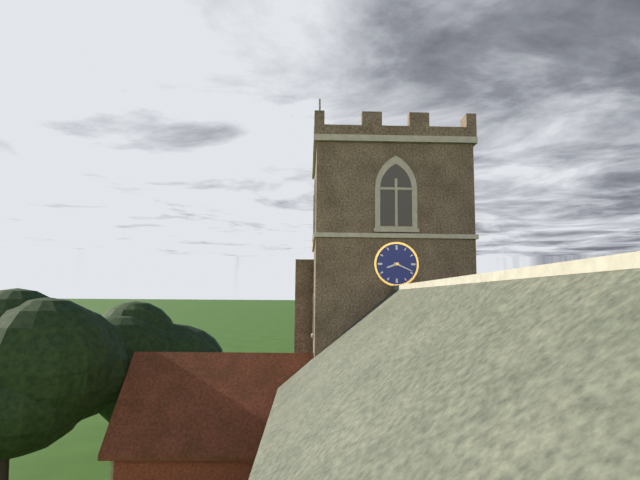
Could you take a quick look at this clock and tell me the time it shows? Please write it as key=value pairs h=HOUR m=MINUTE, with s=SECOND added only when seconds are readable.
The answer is h=8 m=19
